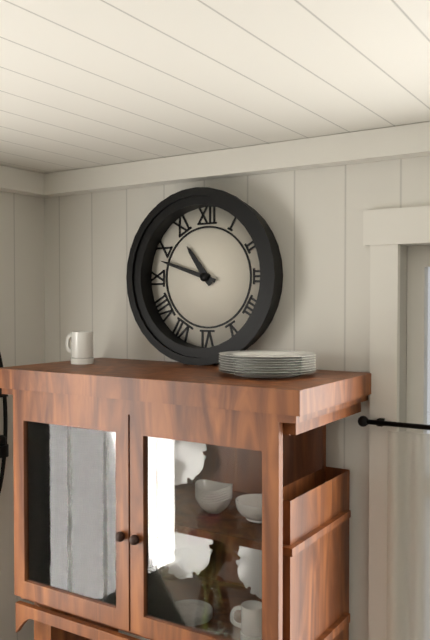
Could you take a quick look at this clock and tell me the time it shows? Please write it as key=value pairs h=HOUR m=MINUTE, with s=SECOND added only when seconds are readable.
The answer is h=10 m=48
